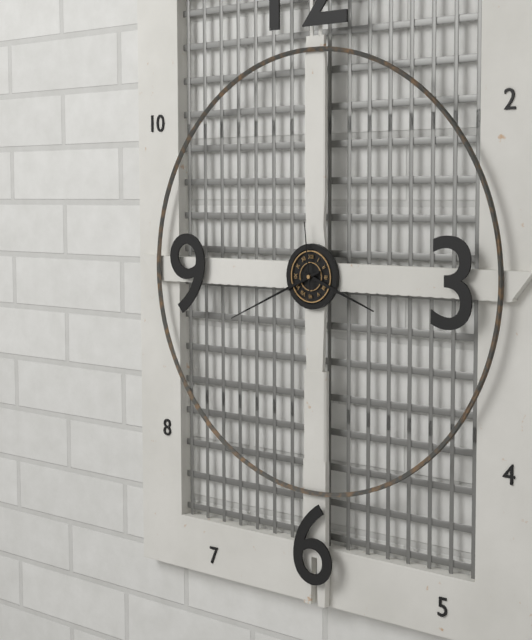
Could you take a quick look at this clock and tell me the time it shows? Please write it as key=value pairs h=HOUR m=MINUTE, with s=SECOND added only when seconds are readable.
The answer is h=3 m=41 s=59
